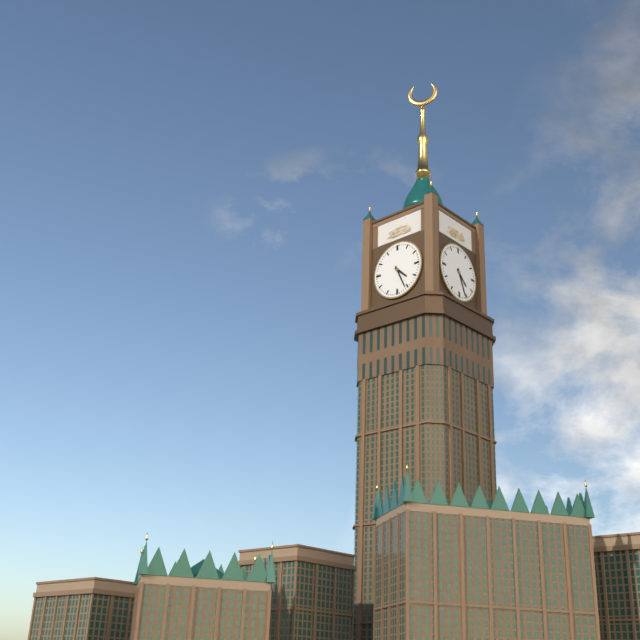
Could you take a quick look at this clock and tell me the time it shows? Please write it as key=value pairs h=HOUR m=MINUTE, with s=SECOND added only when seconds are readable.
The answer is h=4 m=26
